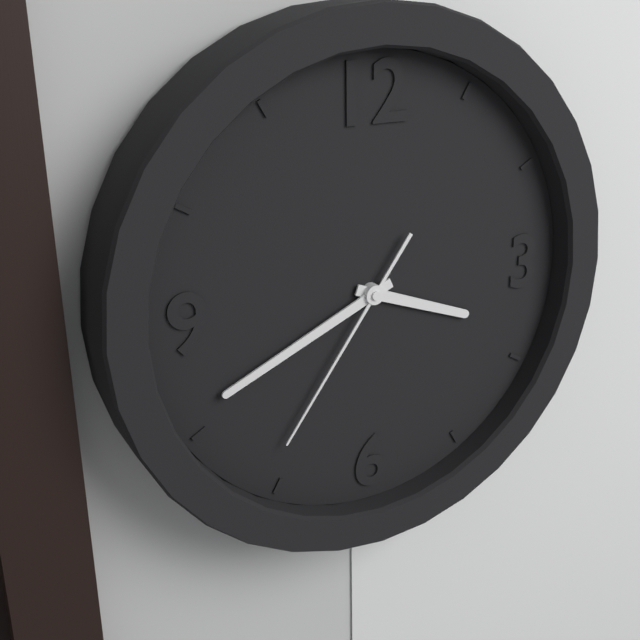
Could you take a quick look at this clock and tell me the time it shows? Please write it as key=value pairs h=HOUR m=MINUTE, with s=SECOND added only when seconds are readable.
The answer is h=3 m=41 s=36
